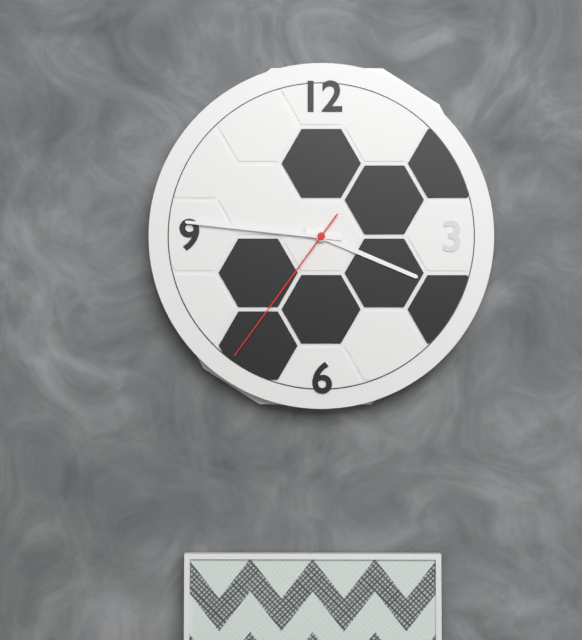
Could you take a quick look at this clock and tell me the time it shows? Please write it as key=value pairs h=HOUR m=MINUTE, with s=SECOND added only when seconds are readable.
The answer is h=3 m=46 s=36
